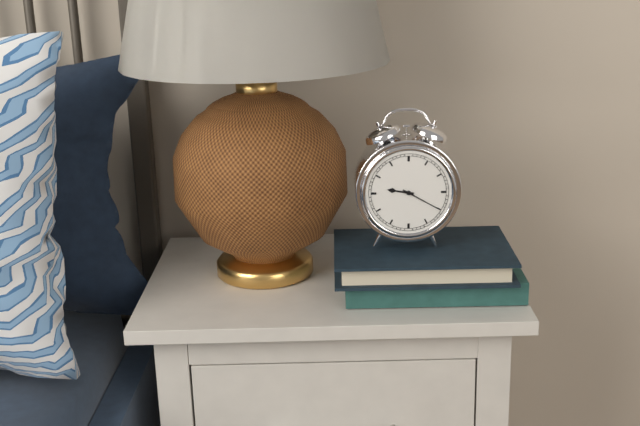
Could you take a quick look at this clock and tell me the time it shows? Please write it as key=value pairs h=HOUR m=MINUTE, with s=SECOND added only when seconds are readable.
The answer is h=9 m=20
